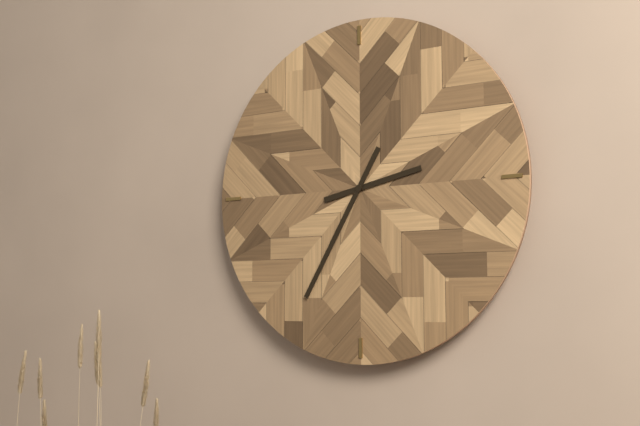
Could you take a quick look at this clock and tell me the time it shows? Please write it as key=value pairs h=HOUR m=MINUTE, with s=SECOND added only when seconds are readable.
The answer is h=2 m=35
